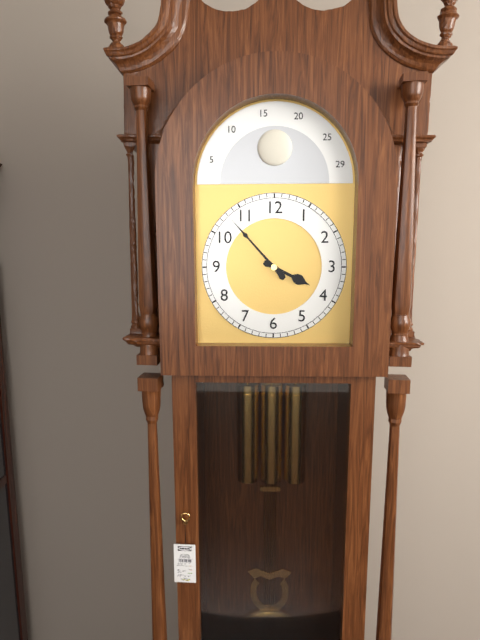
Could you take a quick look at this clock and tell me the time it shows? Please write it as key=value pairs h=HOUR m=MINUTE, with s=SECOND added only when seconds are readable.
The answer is h=3 m=53
